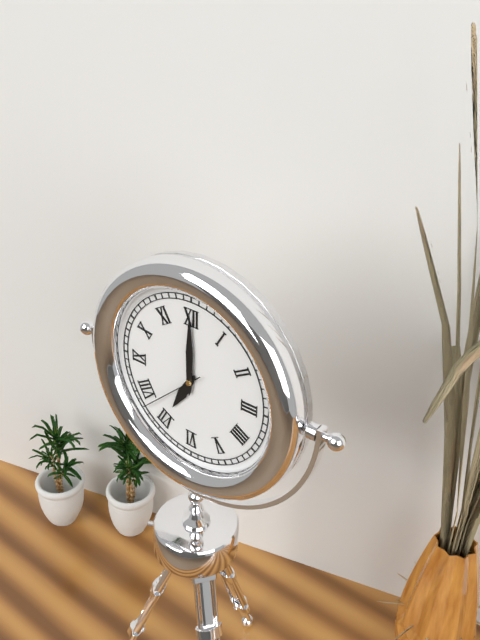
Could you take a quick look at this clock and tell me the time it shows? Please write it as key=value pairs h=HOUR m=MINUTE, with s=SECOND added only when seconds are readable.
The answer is h=7 m=0 s=38
